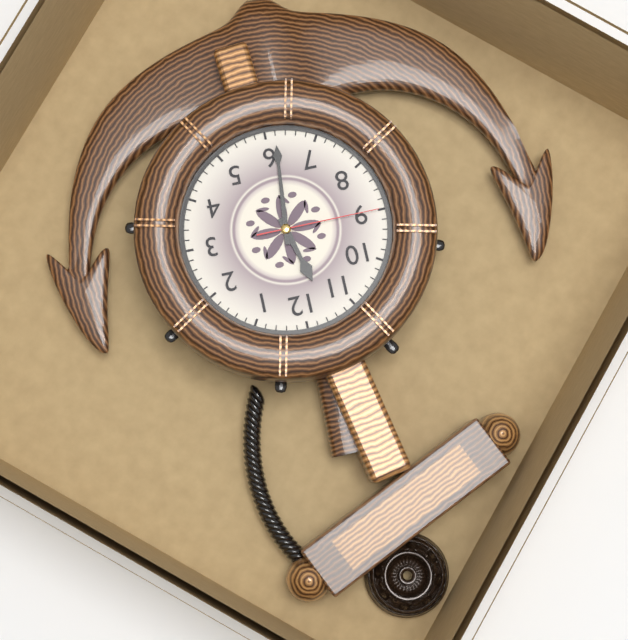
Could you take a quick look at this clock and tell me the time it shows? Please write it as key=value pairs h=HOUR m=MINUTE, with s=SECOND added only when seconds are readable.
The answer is h=11 m=31 s=45
